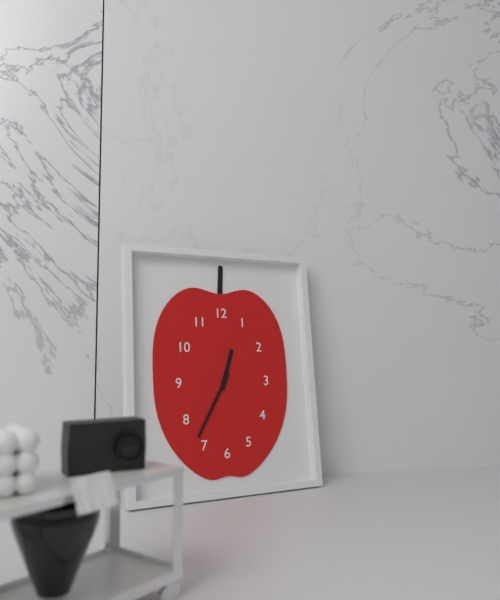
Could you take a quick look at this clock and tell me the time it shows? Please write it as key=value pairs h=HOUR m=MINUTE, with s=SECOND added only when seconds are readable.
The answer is h=12 m=35
